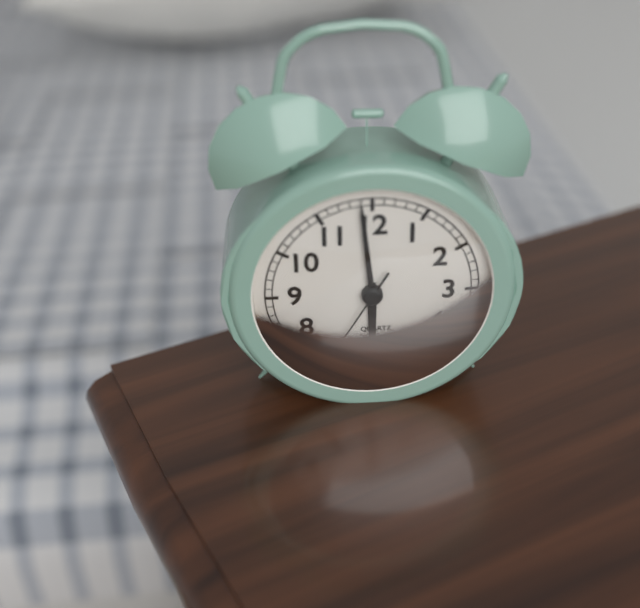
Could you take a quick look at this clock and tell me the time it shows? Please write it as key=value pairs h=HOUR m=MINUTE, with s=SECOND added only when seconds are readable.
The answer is h=5 m=59 s=35
